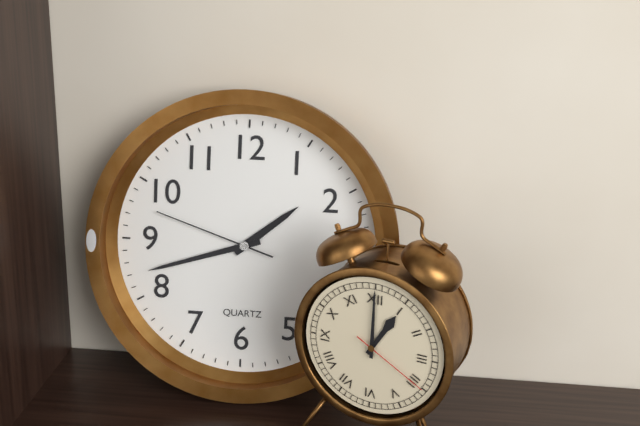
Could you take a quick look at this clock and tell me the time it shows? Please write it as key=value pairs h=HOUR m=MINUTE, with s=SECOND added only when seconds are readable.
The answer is h=1 m=42 s=48
